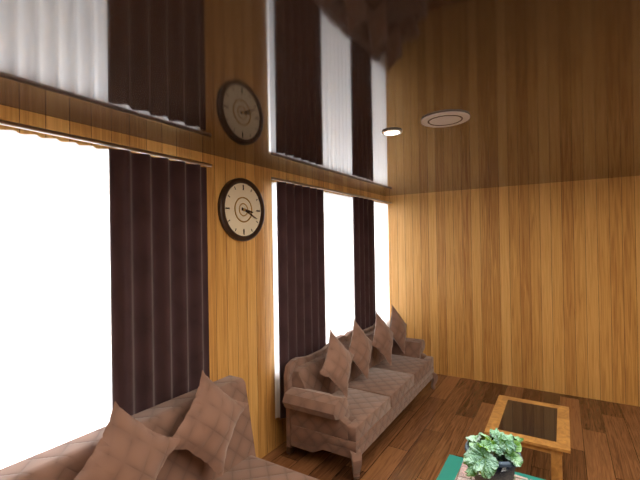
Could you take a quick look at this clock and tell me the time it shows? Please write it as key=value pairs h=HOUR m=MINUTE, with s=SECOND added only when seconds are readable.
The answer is h=3 m=19
